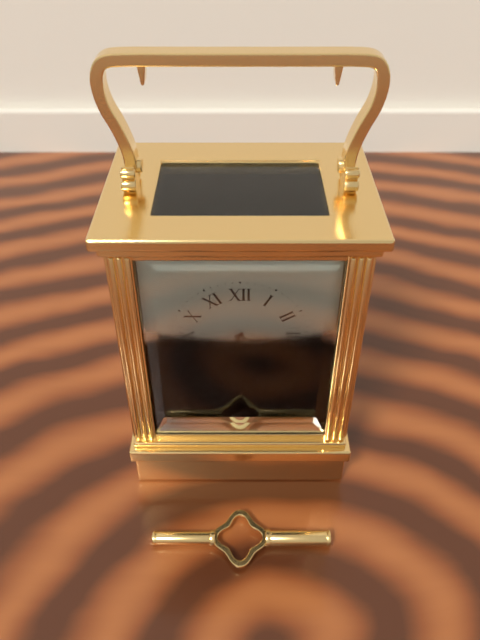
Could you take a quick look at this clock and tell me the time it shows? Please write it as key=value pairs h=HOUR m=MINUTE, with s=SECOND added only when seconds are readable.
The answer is h=3 m=32
